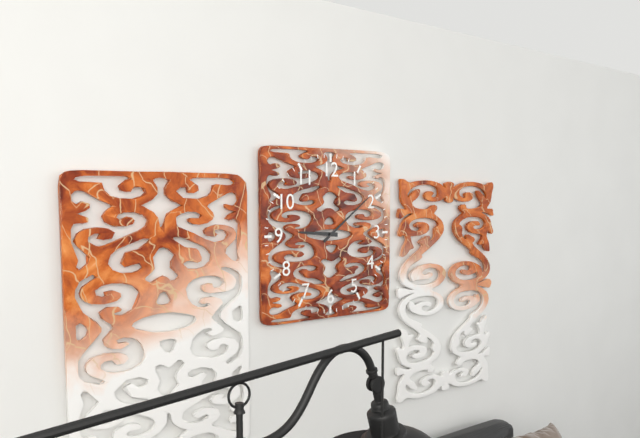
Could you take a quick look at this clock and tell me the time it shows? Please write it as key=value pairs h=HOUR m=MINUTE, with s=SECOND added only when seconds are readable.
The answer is h=9 m=9
